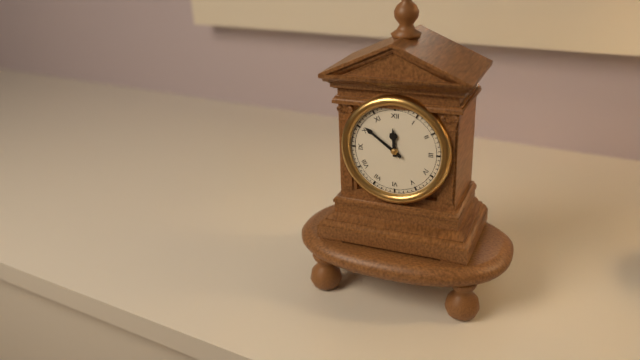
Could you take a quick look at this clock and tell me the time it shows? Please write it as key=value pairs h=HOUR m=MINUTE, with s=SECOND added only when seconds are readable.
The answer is h=11 m=51
